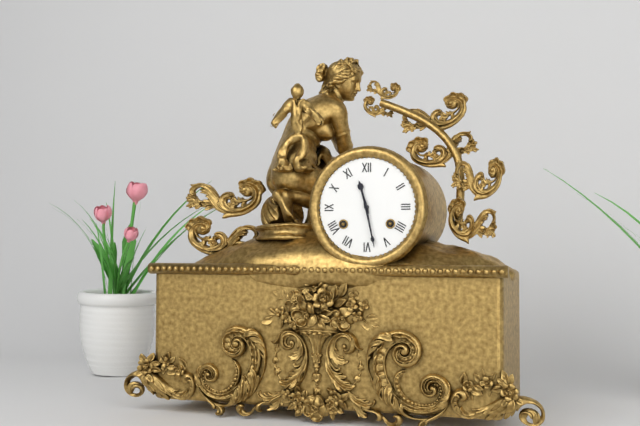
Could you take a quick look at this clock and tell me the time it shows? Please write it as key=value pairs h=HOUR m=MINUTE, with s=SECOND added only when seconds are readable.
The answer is h=11 m=28
